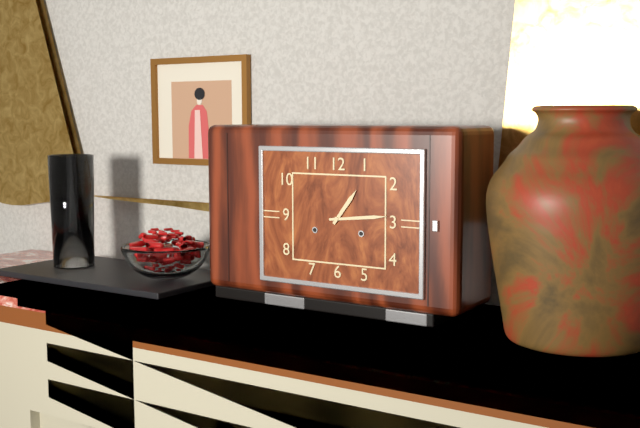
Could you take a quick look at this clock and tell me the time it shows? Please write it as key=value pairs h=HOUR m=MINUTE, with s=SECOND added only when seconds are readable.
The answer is h=1 m=14
